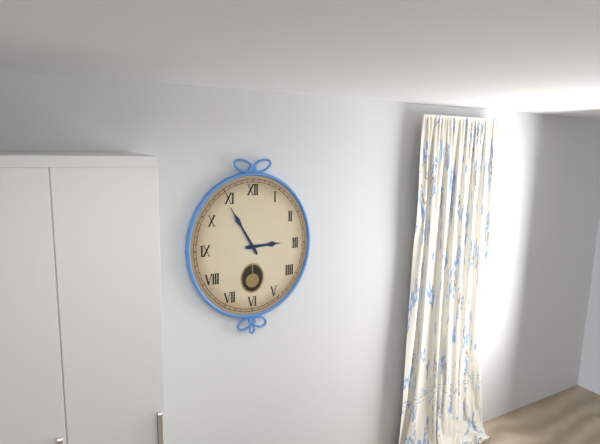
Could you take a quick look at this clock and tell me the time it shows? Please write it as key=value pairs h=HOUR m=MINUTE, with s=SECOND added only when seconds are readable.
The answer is h=2 m=55
